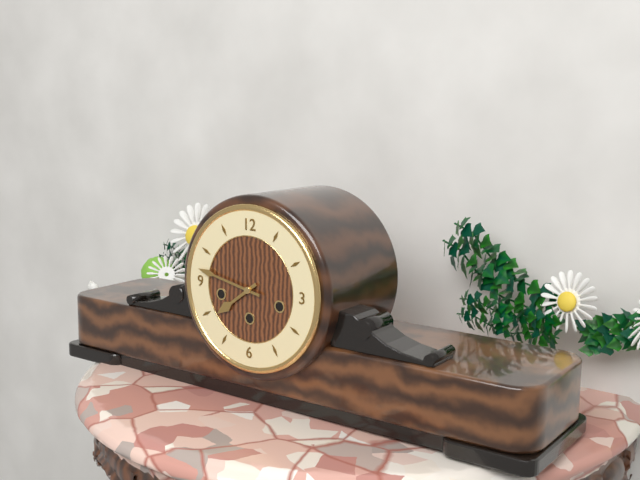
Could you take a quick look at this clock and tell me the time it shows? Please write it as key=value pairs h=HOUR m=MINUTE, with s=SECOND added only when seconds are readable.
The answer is h=7 m=47
